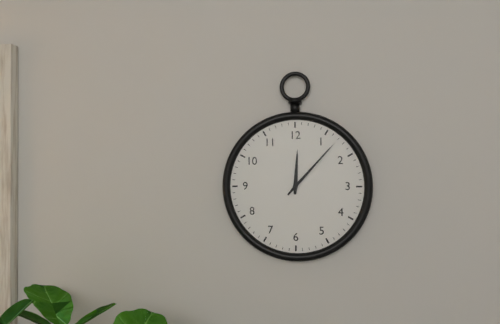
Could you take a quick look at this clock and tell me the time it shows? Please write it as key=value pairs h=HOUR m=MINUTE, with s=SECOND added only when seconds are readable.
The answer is h=12 m=7
